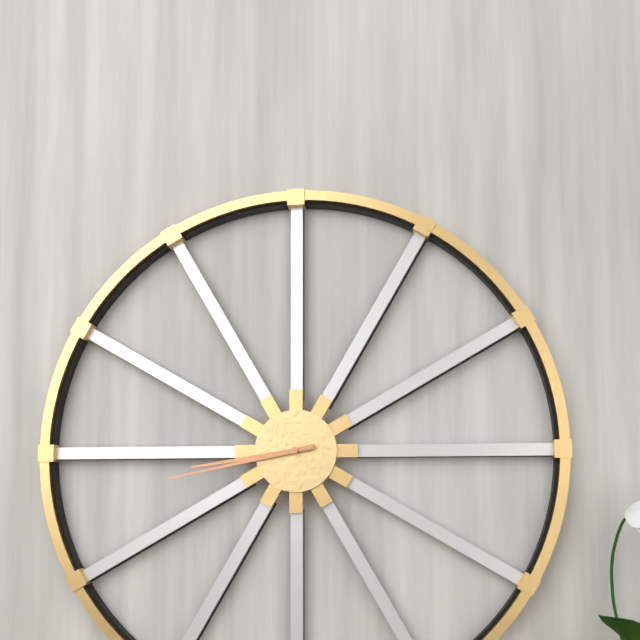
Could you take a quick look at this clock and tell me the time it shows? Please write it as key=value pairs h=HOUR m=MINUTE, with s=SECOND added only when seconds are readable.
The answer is h=8 m=43
